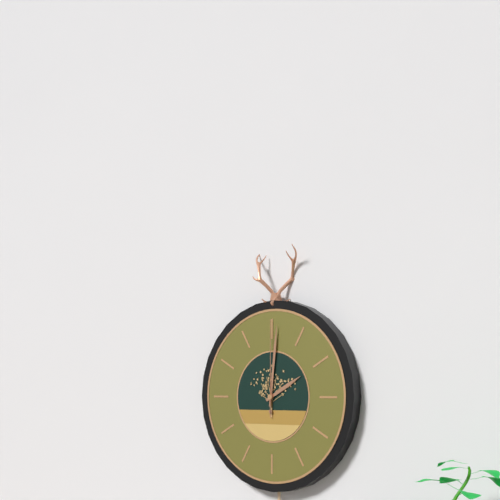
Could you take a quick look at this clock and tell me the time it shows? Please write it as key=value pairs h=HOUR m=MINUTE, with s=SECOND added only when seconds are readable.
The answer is h=2 m=1 s=0
